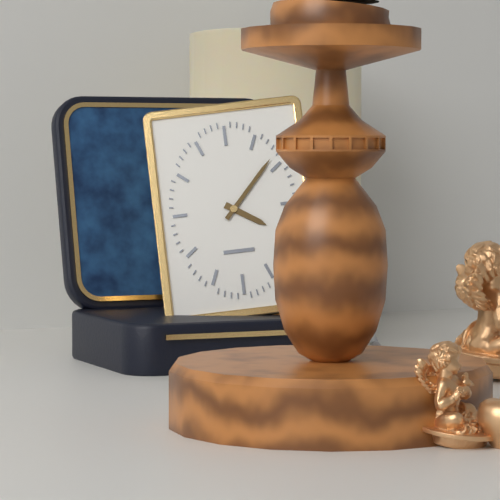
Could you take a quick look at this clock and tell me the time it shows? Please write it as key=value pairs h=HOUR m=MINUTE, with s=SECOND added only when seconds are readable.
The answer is h=4 m=7
